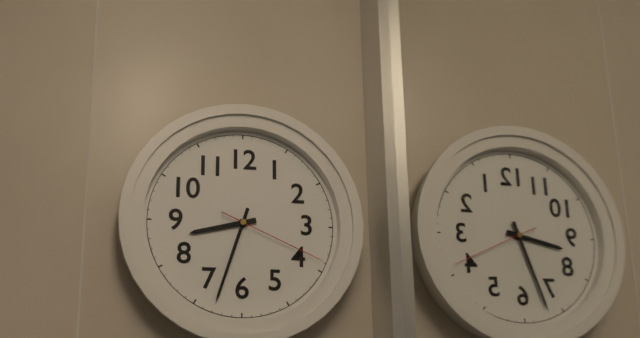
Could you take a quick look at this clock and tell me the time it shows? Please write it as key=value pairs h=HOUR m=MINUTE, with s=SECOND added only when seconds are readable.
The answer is h=8 m=33 s=19
